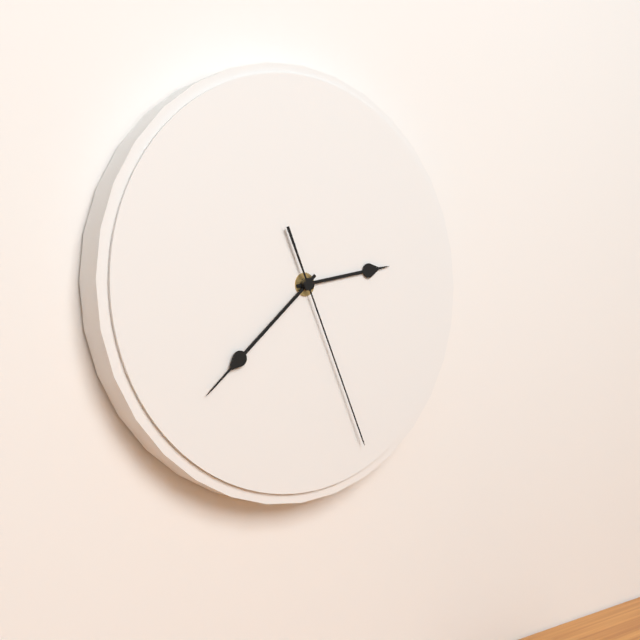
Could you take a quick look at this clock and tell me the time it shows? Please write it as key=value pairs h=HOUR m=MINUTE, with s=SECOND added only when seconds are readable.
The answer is h=2 m=38 s=26
